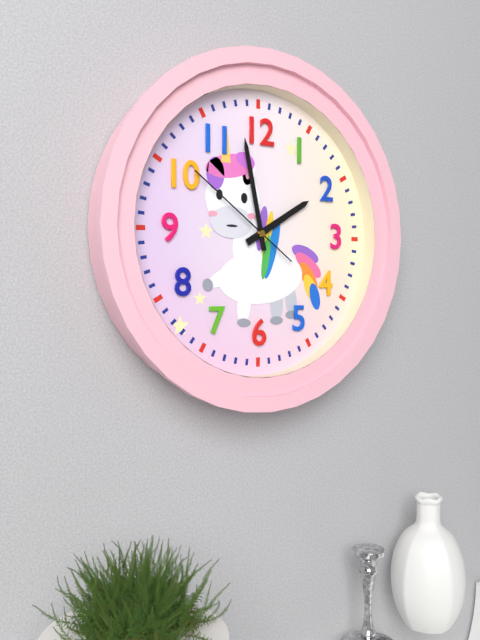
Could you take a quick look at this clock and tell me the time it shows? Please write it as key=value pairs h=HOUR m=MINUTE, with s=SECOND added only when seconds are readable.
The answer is h=1 m=58 s=51
